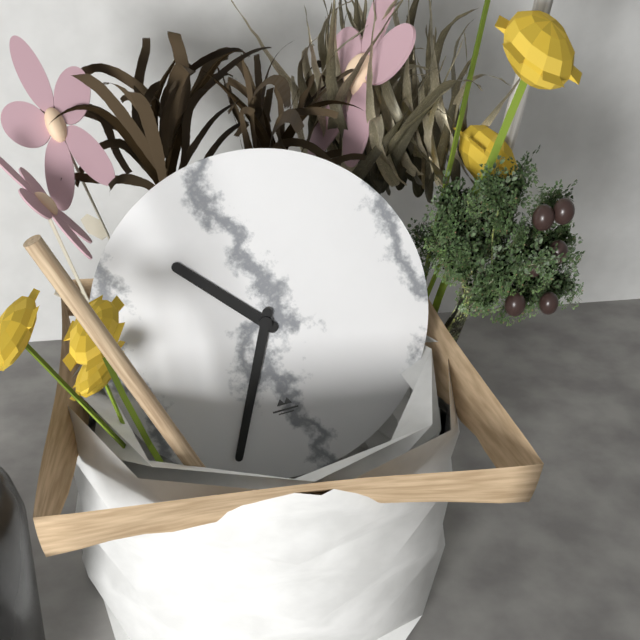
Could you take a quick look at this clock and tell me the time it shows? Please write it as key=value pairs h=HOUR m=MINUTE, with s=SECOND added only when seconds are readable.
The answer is h=10 m=34
